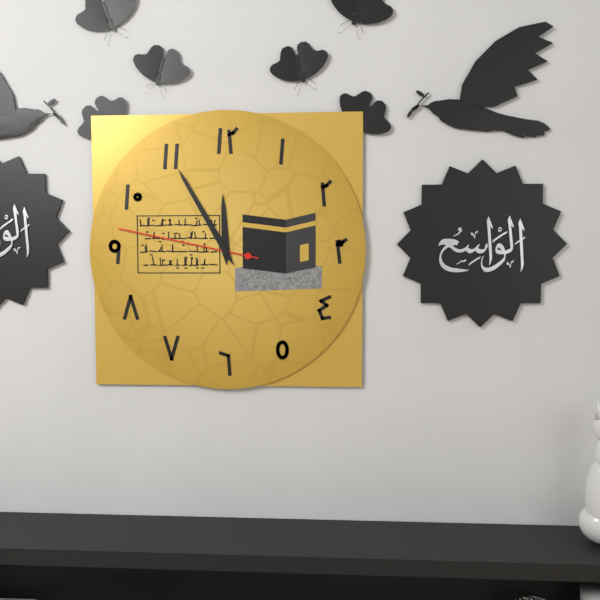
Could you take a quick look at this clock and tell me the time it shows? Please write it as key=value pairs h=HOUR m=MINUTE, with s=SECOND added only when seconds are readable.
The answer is h=11 m=55 s=47
